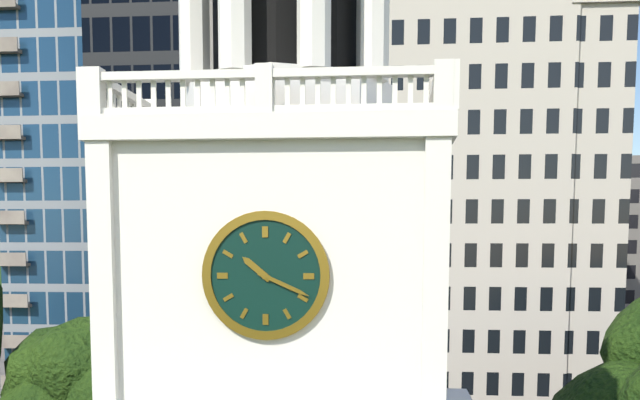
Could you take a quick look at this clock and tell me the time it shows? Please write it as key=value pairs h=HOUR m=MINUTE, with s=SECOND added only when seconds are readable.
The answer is h=10 m=19
